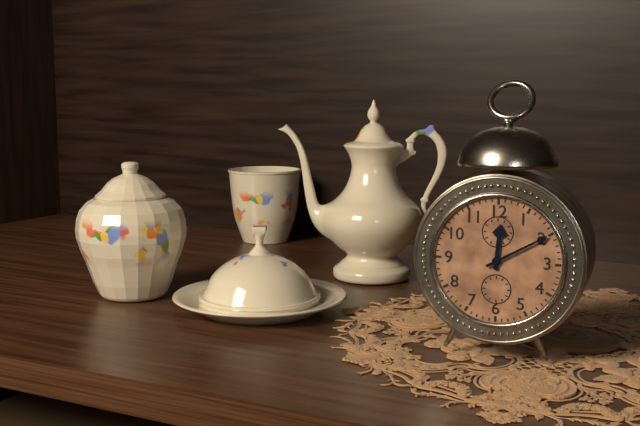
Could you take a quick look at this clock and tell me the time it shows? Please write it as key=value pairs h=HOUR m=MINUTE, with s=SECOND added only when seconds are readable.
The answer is h=12 m=10
